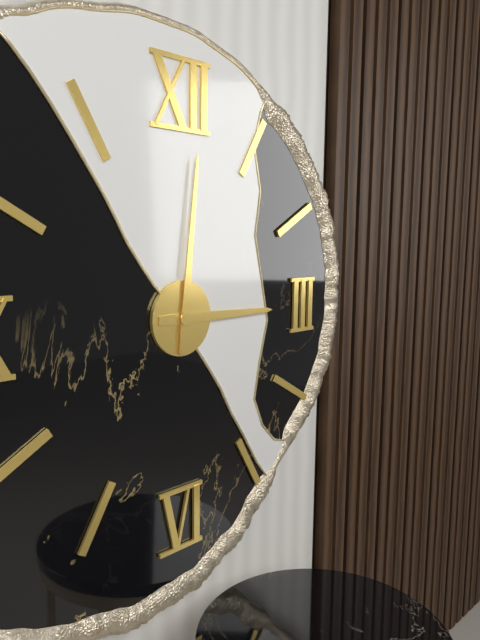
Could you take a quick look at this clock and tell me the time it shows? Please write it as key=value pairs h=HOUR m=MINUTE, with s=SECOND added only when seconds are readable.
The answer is h=3 m=1
